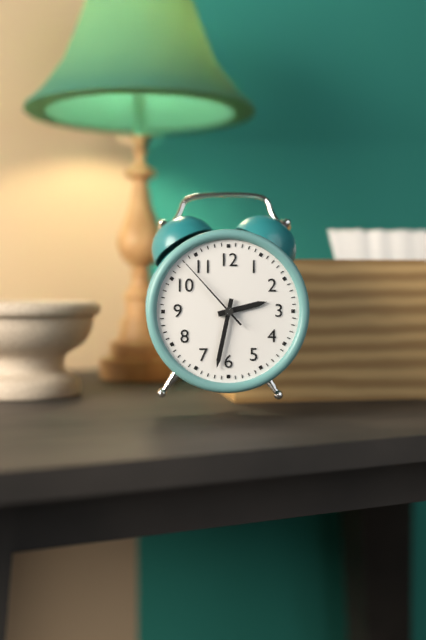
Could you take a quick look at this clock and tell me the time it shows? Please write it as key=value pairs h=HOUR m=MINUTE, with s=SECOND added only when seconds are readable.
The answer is h=2 m=32 s=53
